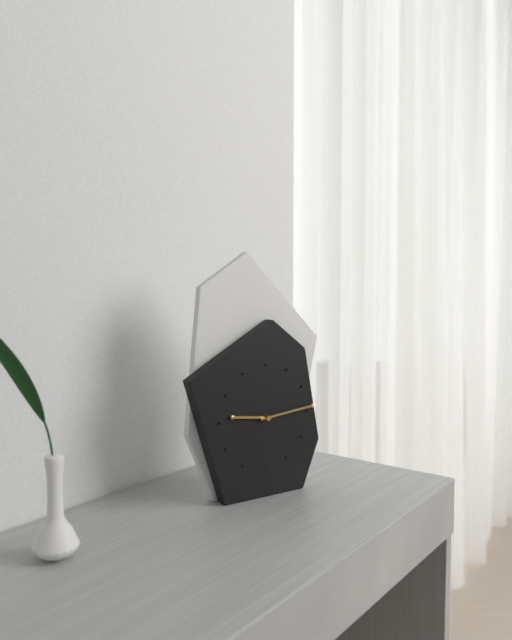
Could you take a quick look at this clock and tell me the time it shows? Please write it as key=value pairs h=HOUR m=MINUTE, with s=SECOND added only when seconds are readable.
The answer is h=9 m=14
